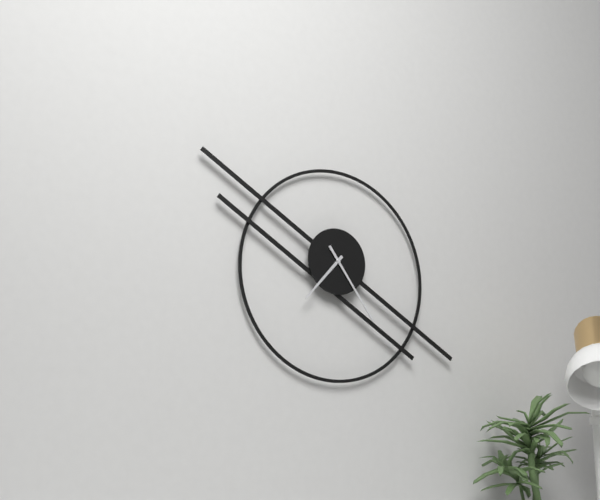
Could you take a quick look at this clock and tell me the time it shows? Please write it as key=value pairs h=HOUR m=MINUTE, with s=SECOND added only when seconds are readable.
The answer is h=7 m=24
